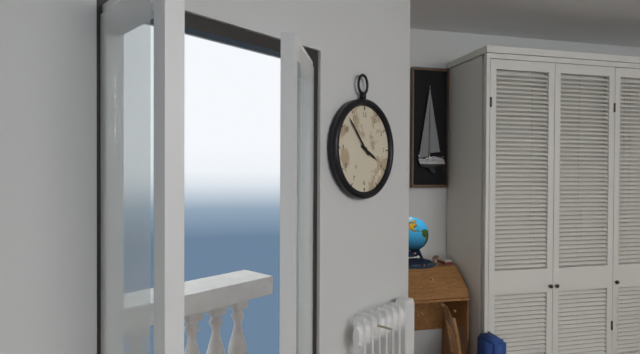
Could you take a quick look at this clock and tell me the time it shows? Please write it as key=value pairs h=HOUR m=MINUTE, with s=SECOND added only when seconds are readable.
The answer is h=3 m=53
